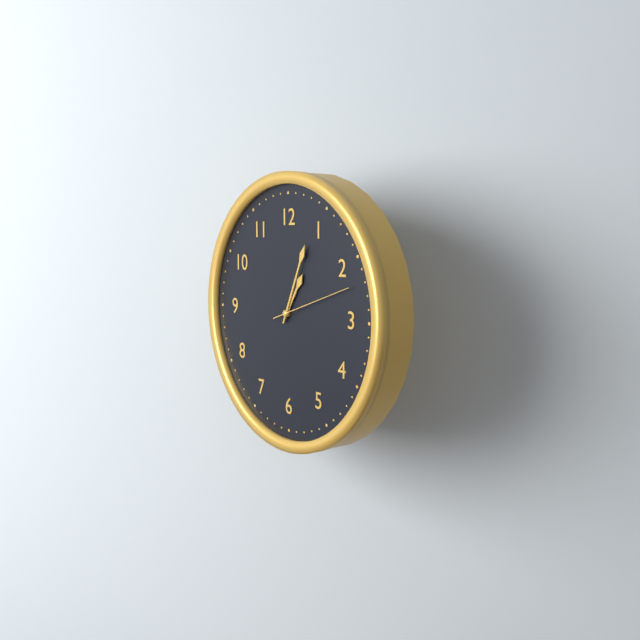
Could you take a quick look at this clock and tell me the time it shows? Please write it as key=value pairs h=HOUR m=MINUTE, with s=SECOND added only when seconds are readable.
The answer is h=1 m=4
